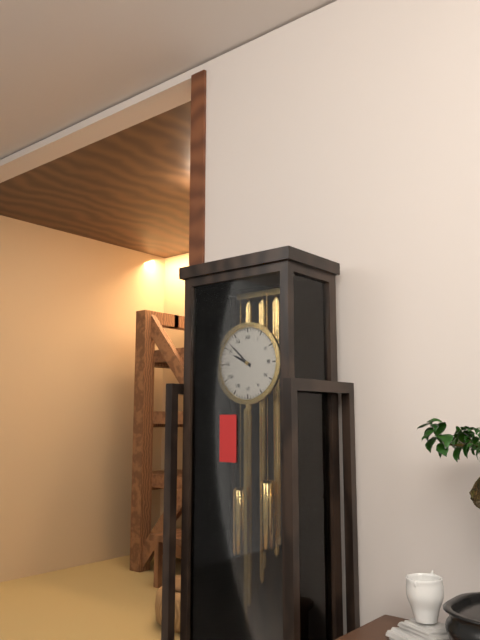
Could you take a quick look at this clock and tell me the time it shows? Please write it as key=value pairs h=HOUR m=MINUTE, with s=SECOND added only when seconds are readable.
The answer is h=9 m=52
